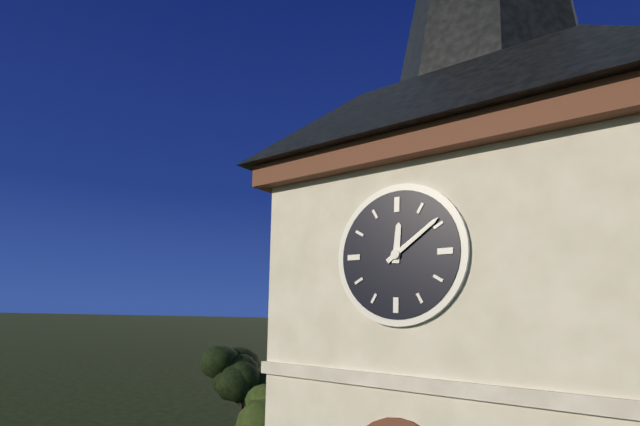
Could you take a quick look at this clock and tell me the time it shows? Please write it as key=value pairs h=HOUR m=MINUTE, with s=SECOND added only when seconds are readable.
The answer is h=12 m=9
